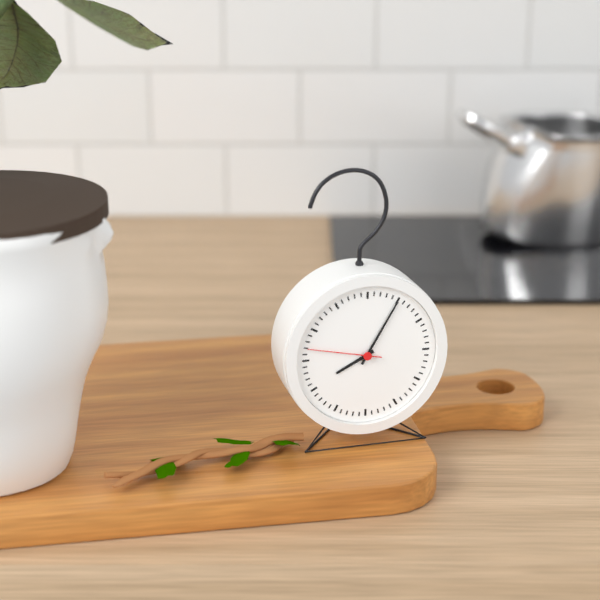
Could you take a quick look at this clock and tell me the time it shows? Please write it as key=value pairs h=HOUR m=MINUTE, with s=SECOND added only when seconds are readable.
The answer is h=8 m=5 s=47
